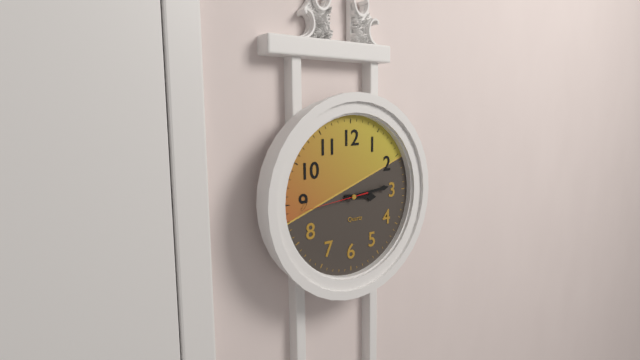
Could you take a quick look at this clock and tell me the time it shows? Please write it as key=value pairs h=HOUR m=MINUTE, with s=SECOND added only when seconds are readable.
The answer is h=3 m=14 s=44
